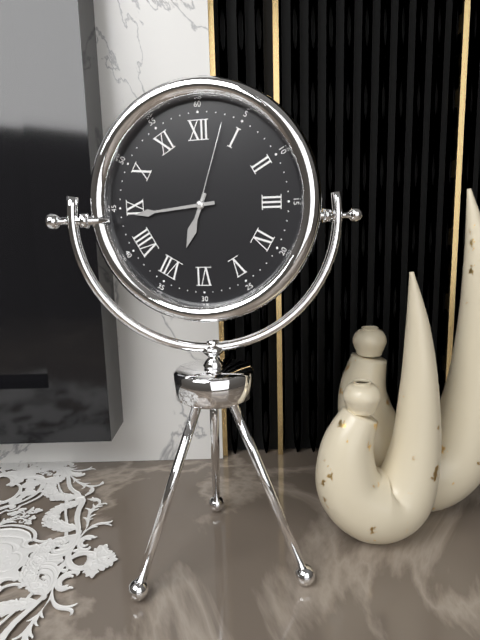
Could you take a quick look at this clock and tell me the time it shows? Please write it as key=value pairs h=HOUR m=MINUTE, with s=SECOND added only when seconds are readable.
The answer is h=6 m=44 s=3
